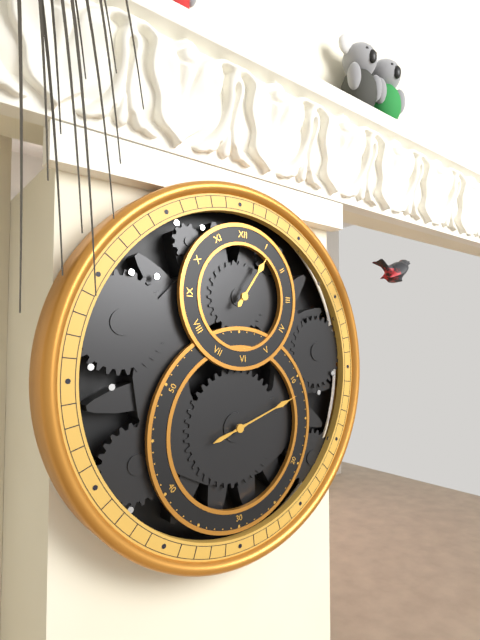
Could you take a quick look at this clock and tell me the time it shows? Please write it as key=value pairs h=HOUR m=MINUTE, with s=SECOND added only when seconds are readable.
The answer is h=1 m=12
